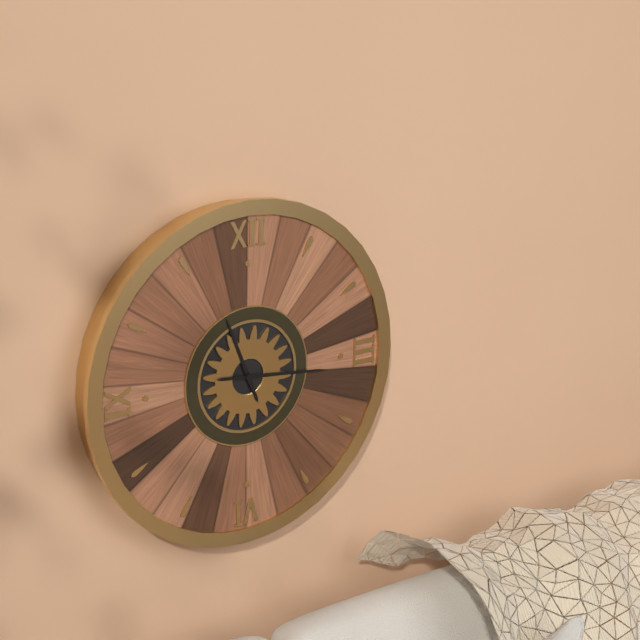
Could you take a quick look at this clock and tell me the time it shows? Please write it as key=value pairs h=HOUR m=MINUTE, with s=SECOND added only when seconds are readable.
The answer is h=11 m=16
